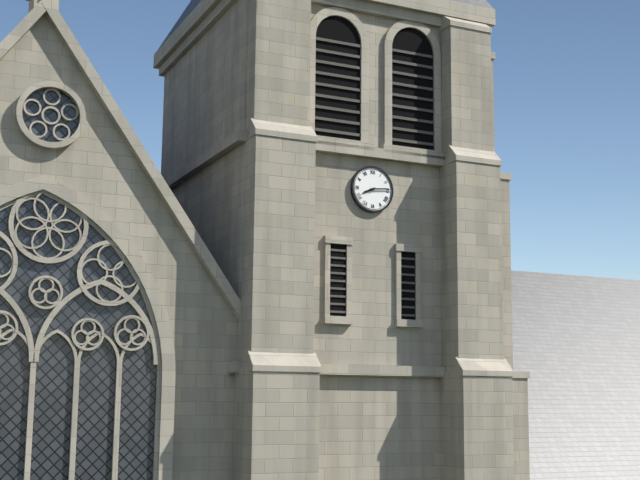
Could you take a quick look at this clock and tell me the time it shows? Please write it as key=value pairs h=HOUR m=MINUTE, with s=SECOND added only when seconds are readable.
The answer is h=8 m=14
